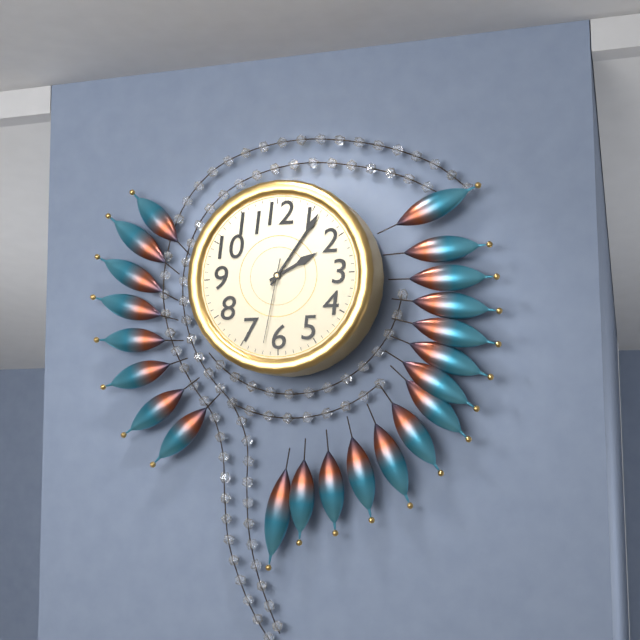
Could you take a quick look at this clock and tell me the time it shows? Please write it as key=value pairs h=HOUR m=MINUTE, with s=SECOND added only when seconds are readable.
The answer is h=2 m=6 s=32
